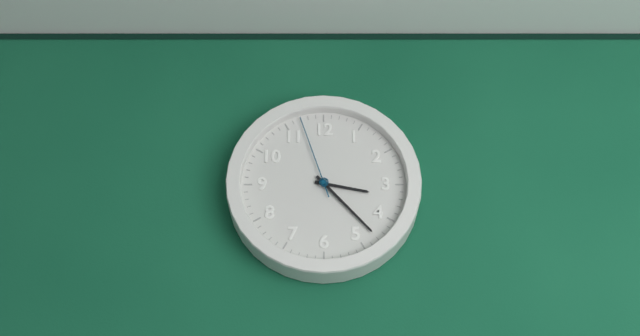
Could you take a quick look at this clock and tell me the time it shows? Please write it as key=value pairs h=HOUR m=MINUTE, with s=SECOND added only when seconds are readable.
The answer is h=3 m=23 s=57
